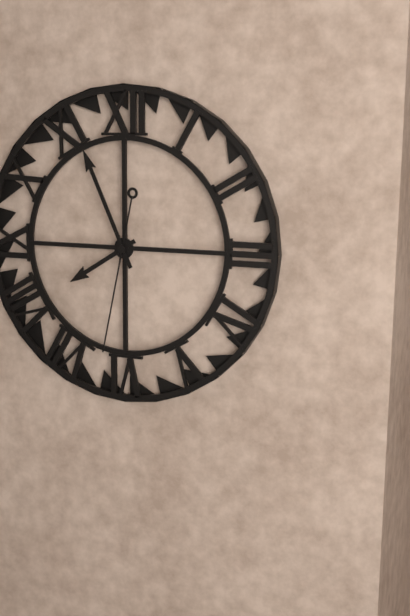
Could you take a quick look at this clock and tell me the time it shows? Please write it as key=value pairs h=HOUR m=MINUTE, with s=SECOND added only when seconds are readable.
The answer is h=7 m=56 s=32
